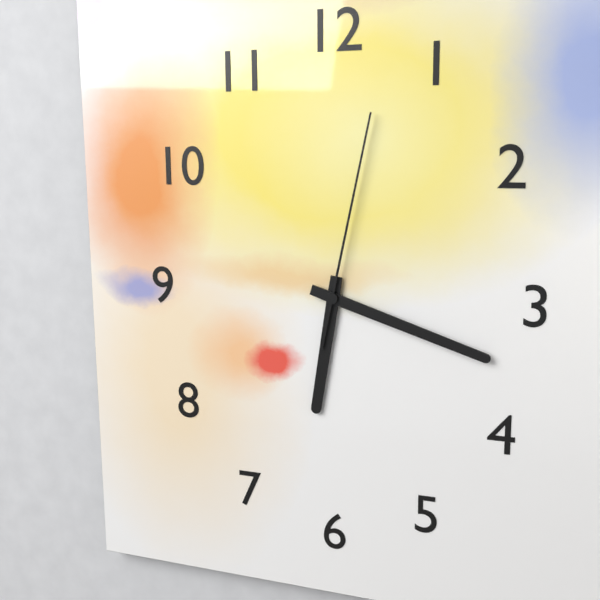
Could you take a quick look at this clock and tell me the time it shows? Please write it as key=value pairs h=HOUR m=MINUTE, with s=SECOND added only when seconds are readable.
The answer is h=6 m=18 s=2
